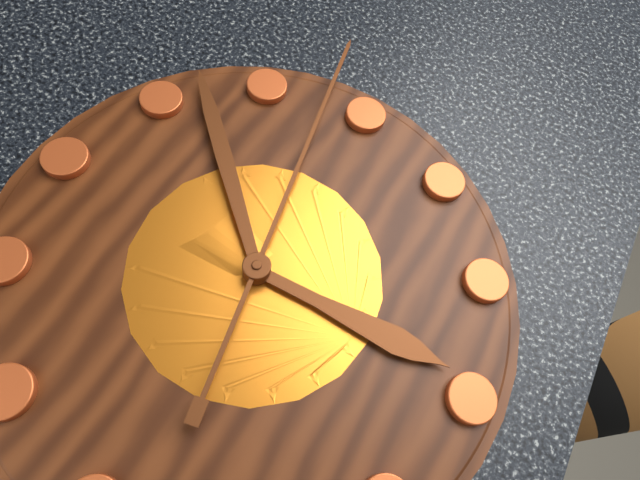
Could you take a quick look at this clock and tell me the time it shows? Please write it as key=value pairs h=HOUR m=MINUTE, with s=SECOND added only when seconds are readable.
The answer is h=2 m=52 s=58
